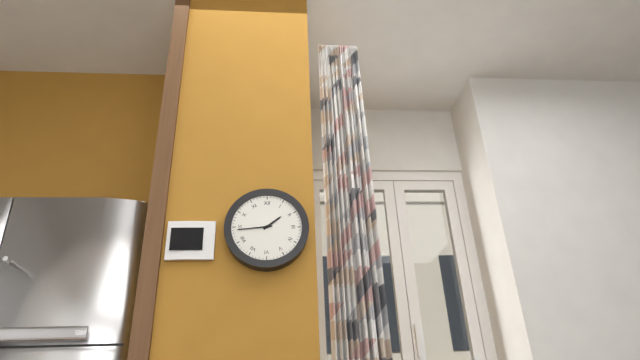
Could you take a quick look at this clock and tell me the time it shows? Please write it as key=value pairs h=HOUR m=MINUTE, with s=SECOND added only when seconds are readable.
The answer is h=1 m=44
